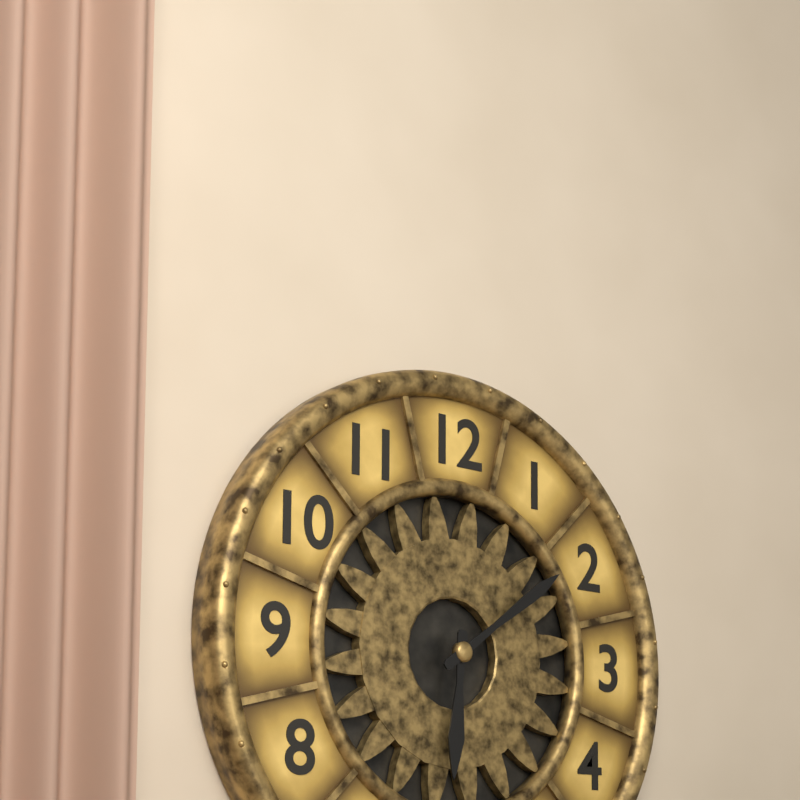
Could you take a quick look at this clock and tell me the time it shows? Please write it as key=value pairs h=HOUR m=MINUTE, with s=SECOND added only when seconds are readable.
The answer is h=6 m=9
